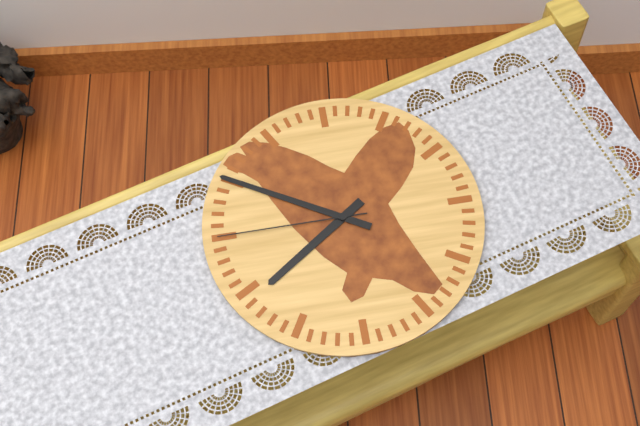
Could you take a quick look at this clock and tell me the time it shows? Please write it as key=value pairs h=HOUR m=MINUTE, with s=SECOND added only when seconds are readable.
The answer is h=7 m=50 s=45
